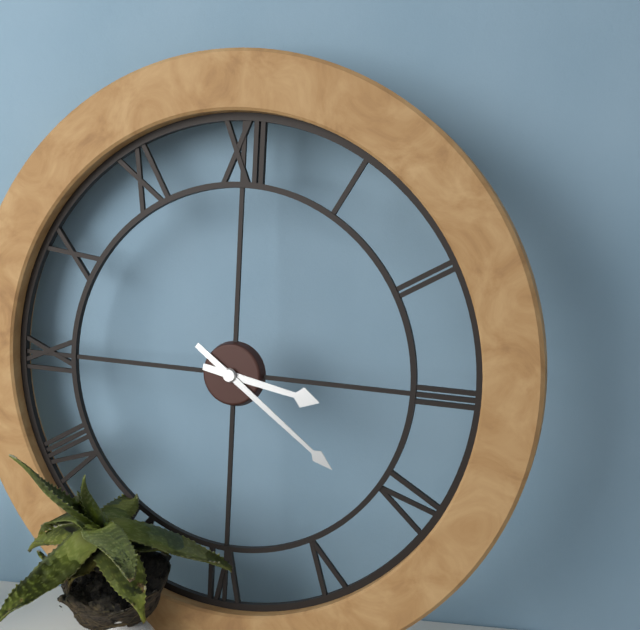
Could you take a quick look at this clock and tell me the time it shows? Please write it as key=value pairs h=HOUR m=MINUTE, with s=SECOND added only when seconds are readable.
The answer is h=3 m=21
